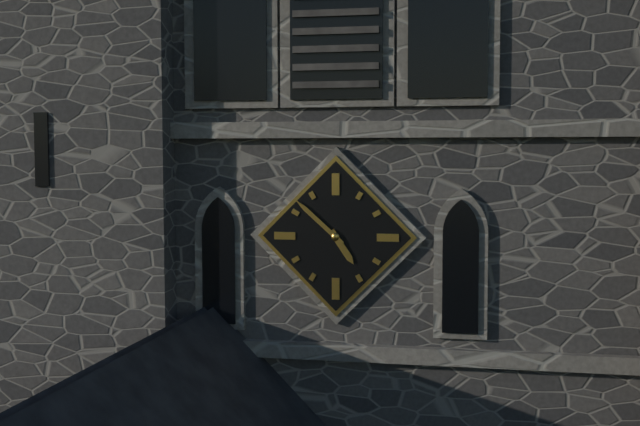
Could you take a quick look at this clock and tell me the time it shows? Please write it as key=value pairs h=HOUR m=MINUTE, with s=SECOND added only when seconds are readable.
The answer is h=4 m=52
